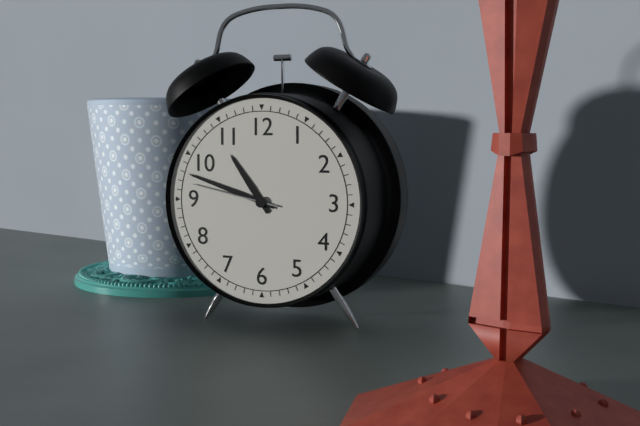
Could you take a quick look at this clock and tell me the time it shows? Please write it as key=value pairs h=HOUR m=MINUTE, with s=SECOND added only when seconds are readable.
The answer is h=10 m=48 s=47
